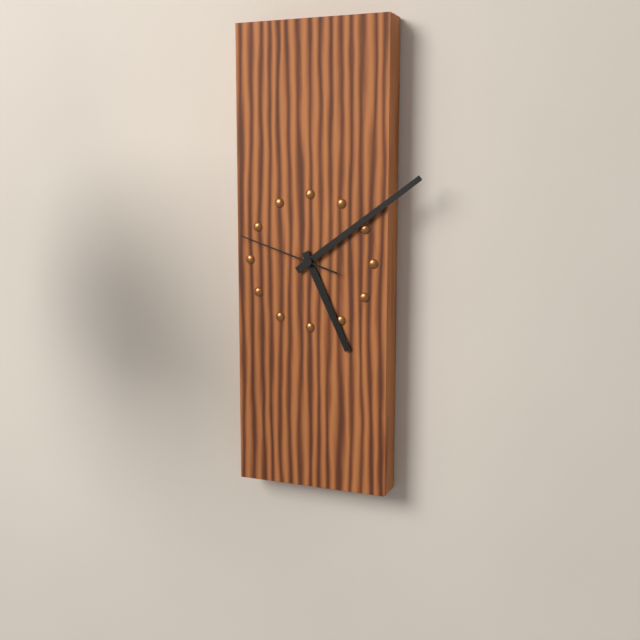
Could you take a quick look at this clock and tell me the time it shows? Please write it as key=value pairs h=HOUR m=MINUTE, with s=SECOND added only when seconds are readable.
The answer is h=5 m=9 s=48
